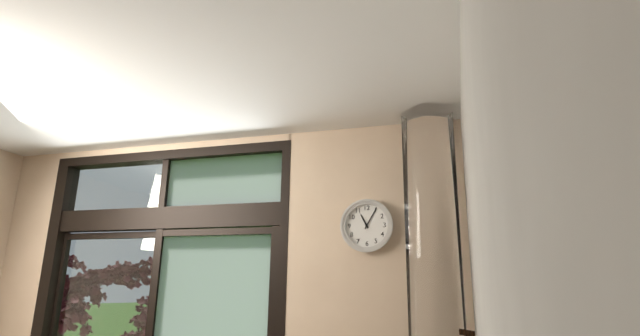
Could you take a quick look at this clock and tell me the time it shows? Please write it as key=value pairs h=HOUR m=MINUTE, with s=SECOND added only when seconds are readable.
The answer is h=11 m=5
